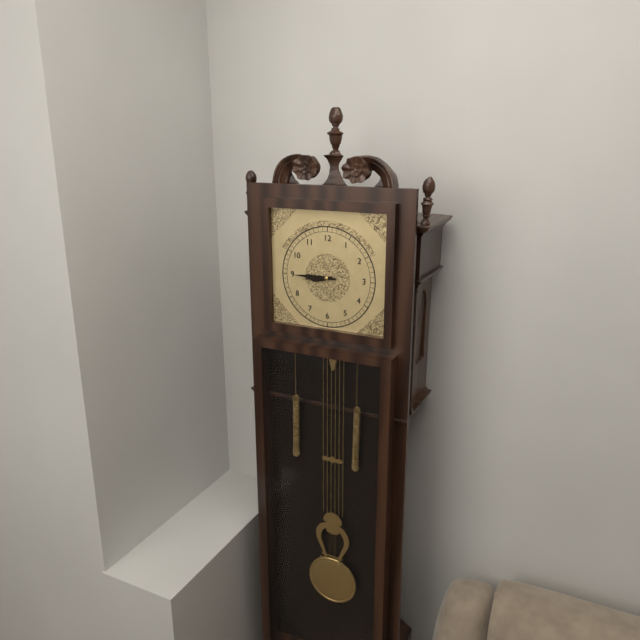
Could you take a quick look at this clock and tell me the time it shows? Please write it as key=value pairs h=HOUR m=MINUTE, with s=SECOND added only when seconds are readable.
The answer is h=8 m=45
